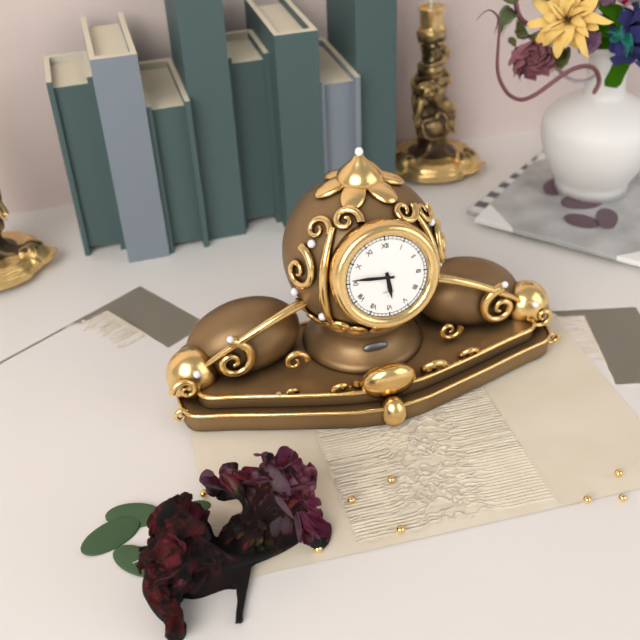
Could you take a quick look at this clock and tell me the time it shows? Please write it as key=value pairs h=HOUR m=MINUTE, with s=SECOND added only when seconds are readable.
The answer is h=5 m=46
